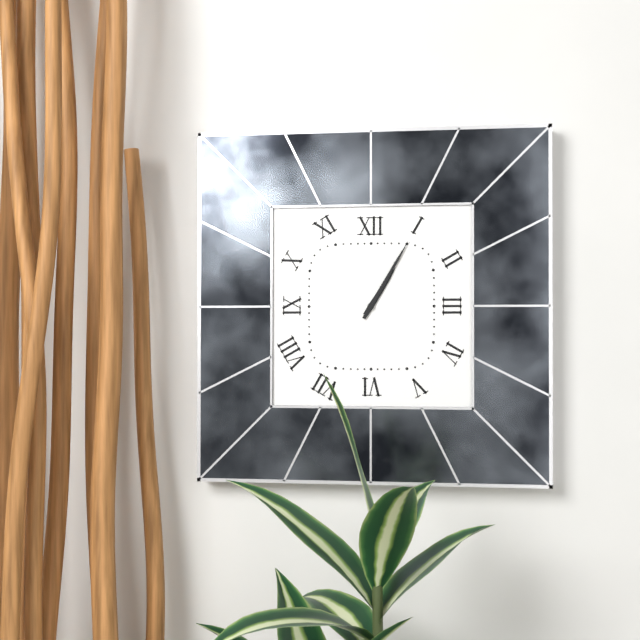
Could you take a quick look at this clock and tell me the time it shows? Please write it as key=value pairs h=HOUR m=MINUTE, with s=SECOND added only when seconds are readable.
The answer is h=1 m=5
